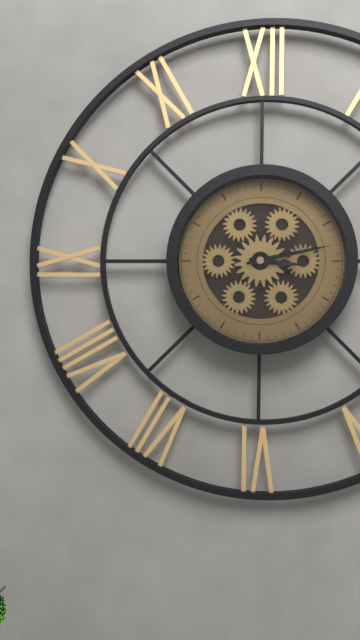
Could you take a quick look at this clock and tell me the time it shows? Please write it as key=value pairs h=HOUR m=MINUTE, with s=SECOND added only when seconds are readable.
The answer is h=3 m=13
